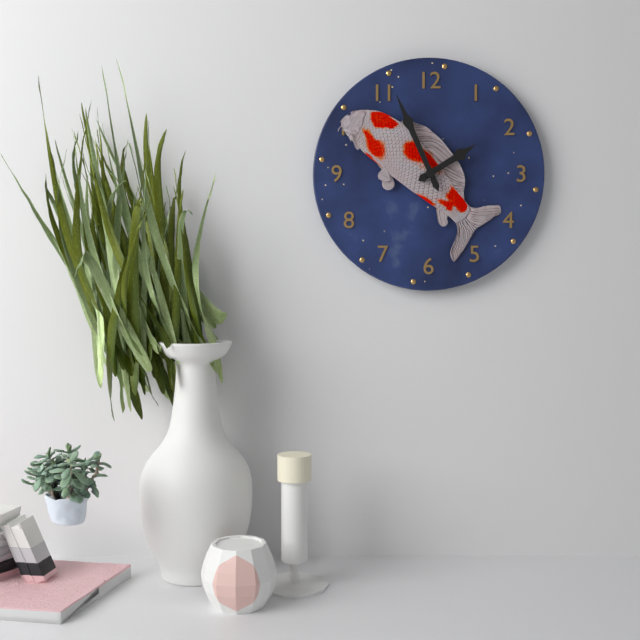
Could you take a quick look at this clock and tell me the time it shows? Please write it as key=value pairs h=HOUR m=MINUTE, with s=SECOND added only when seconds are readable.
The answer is h=1 m=56
